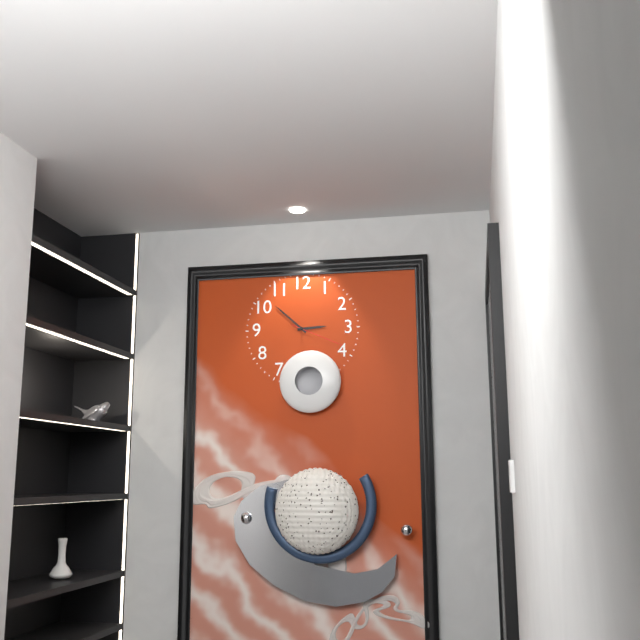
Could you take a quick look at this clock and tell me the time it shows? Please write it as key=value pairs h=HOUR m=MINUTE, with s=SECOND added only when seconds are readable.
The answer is h=2 m=52 s=19
